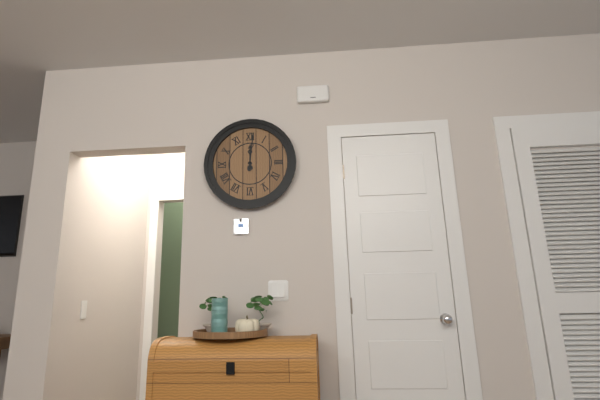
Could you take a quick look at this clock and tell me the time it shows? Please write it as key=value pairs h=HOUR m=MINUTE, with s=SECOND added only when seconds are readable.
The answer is h=12 m=1
